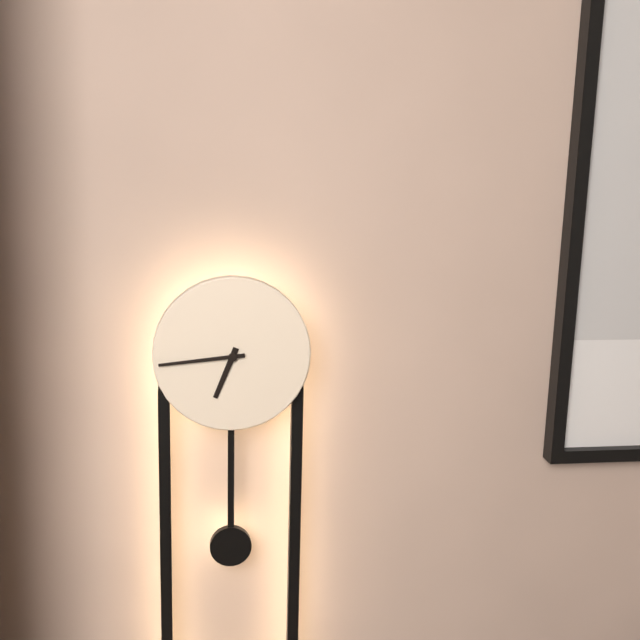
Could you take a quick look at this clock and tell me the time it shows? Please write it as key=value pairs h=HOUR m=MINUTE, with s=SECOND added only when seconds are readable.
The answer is h=6 m=44
